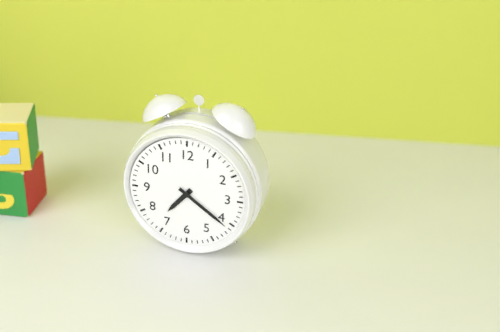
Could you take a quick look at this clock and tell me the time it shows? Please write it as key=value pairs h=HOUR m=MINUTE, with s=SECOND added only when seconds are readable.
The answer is h=7 m=21
